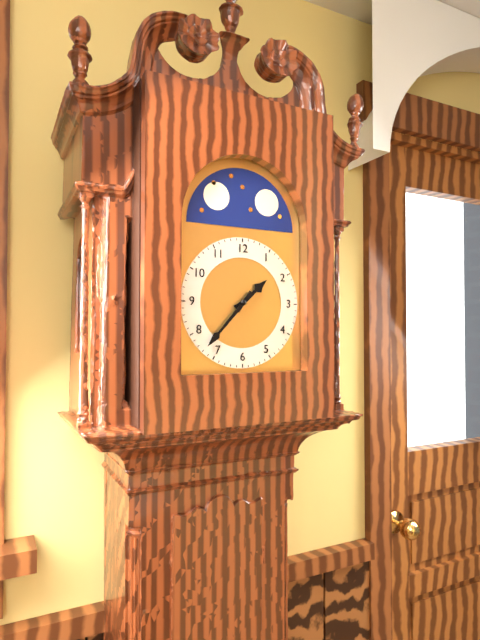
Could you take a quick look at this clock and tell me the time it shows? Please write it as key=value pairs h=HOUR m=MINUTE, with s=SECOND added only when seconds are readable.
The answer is h=1 m=37
